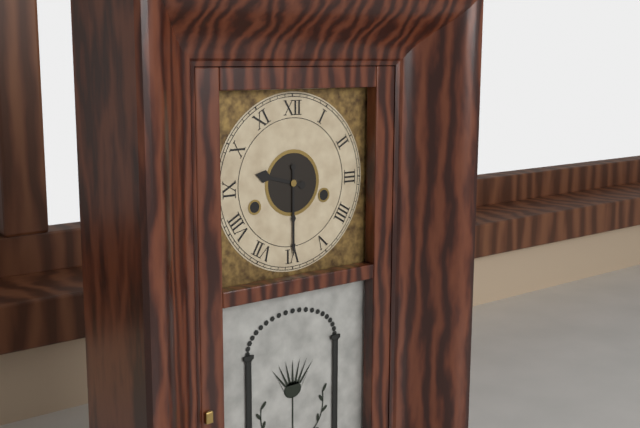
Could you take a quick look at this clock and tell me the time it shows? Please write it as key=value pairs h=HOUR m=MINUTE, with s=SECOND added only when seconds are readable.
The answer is h=9 m=30
